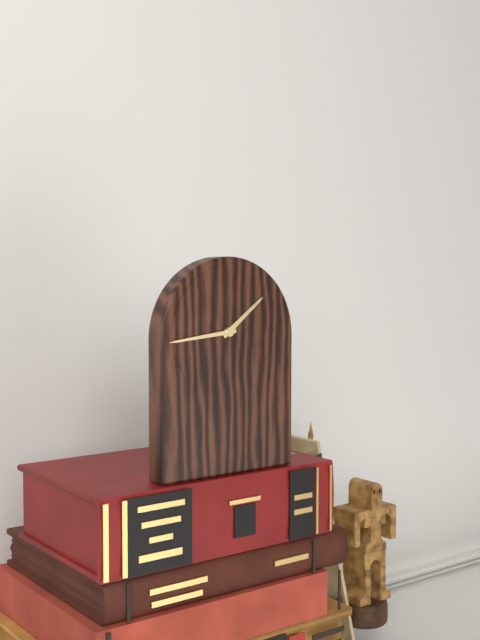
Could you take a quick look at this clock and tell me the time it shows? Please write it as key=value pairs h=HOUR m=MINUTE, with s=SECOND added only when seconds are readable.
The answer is h=1 m=44
